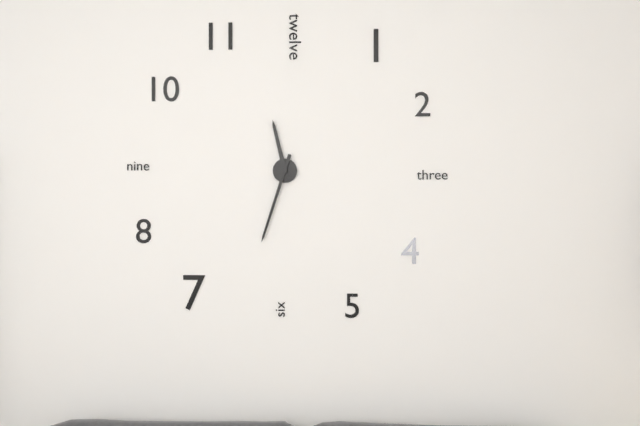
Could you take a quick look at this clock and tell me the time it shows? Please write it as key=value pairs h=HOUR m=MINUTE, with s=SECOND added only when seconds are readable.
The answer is h=11 m=33
